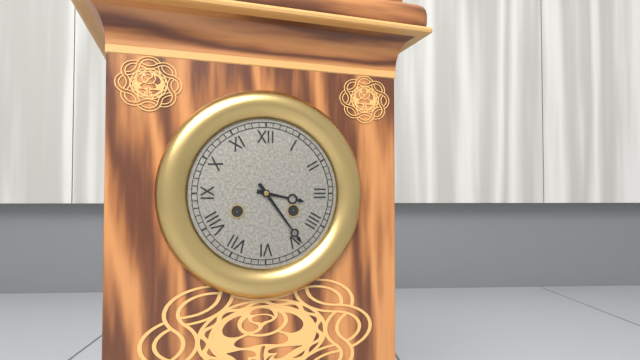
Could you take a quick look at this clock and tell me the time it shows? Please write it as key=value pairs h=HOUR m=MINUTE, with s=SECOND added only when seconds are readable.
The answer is h=3 m=24
